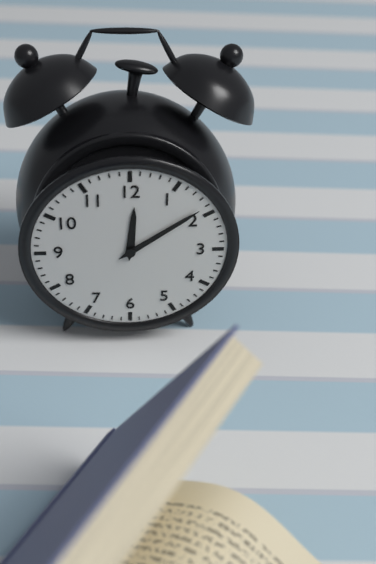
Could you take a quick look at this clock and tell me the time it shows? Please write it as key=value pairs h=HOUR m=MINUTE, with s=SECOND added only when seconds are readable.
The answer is h=12 m=9
